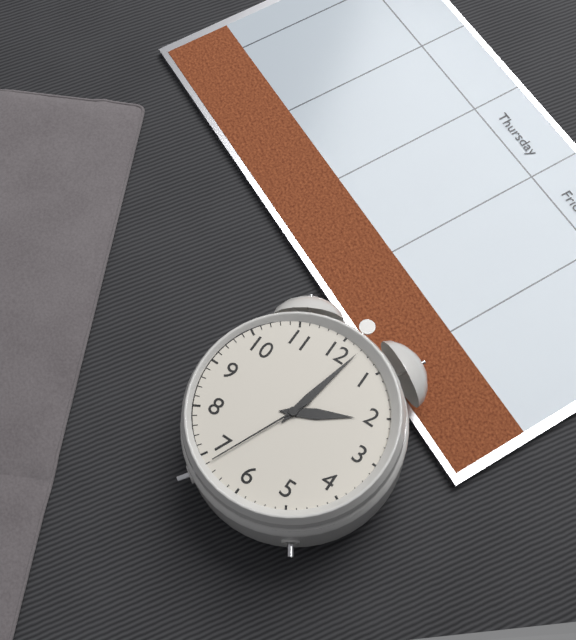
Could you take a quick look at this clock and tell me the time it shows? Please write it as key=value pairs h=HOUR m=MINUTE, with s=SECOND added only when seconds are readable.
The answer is h=2 m=2 s=34
